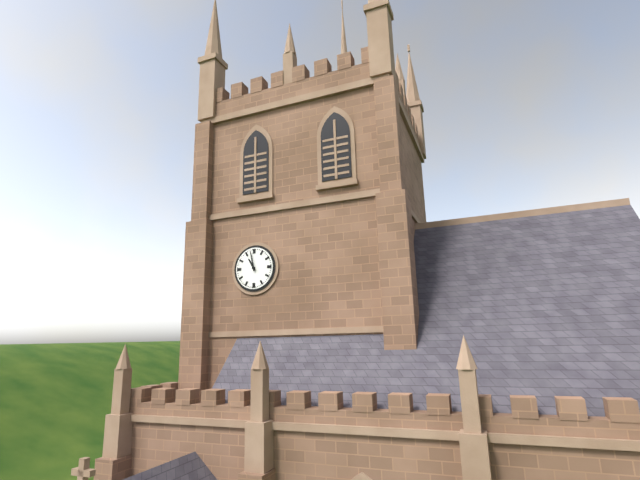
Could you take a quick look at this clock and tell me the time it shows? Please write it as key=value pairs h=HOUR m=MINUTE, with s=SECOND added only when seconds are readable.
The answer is h=10 m=58
